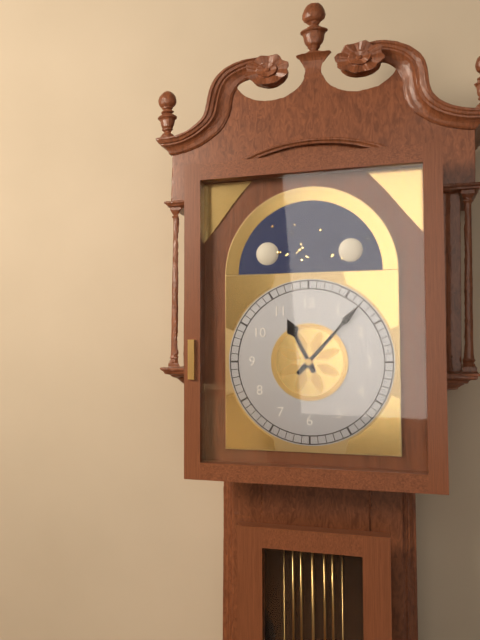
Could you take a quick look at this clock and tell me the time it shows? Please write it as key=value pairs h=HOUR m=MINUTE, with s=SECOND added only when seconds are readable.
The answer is h=11 m=7
